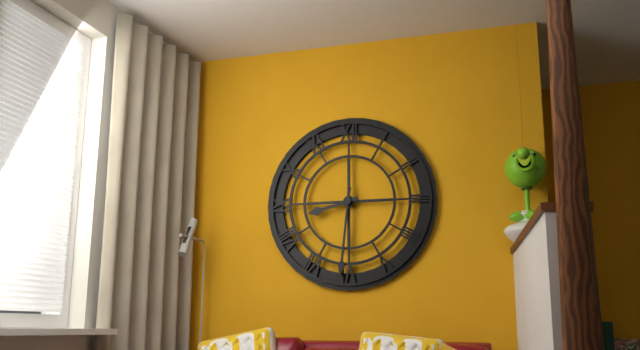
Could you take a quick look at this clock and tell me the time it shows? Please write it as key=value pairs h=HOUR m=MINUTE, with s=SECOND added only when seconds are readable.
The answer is h=8 m=31
